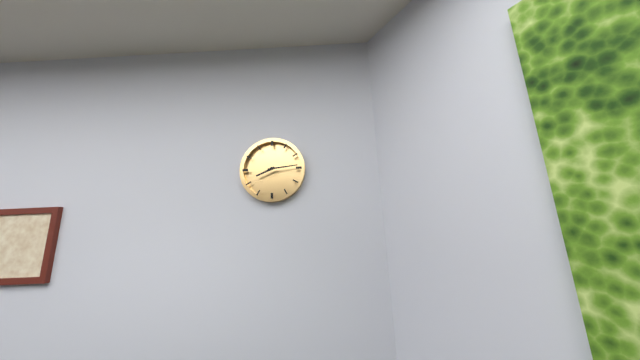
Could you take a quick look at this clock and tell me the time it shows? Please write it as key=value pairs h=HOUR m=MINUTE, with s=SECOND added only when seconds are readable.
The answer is h=8 m=14
